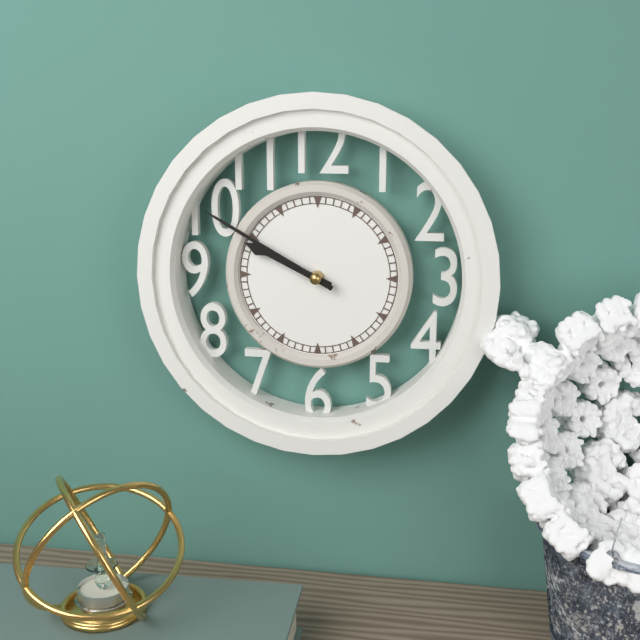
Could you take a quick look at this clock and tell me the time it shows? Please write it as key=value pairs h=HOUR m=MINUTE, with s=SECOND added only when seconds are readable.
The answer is h=9 m=50
